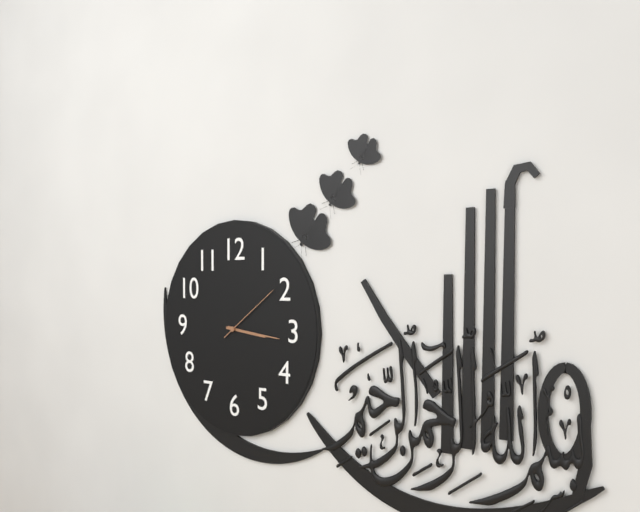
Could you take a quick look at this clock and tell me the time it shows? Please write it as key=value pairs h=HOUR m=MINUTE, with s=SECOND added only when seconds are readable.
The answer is h=3 m=16 s=9
